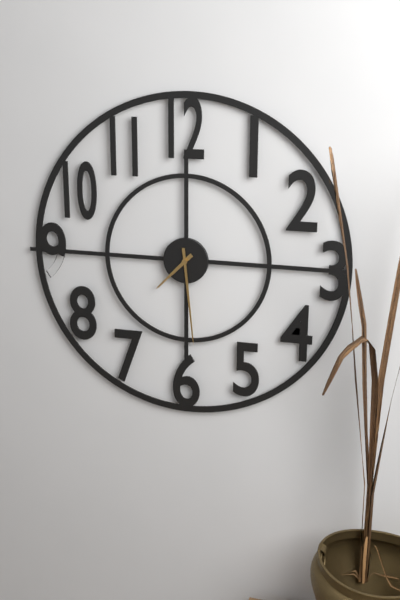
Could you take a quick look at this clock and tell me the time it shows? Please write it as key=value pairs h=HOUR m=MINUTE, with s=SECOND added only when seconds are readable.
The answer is h=7 m=29
